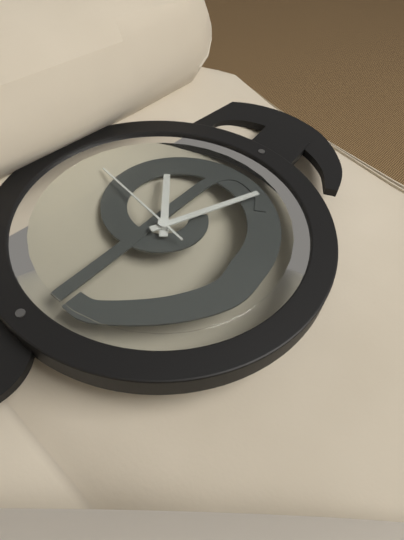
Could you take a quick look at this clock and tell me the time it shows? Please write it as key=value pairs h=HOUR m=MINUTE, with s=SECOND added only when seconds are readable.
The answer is h=4 m=33 s=16
